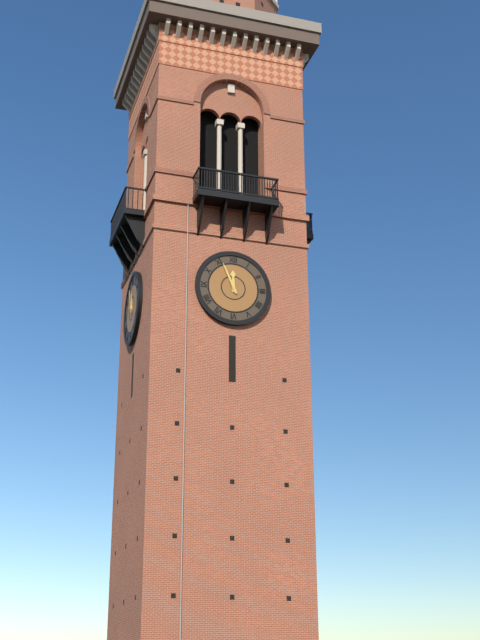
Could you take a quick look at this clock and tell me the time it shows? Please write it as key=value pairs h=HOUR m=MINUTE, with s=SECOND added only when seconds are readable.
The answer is h=11 m=56
